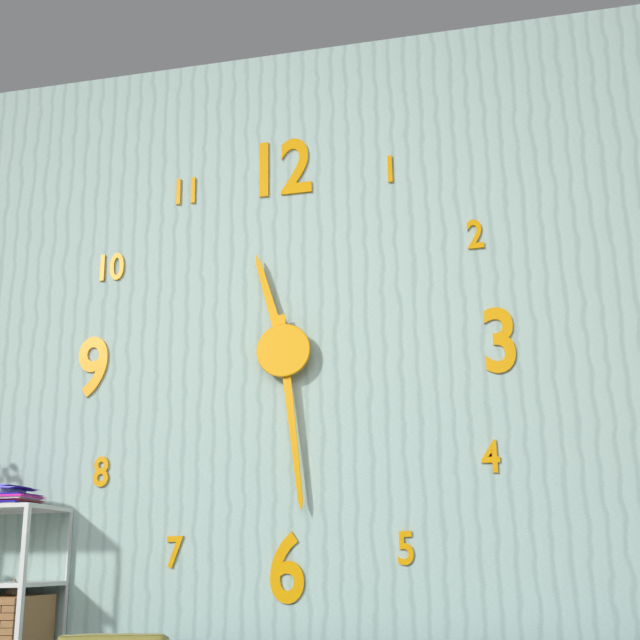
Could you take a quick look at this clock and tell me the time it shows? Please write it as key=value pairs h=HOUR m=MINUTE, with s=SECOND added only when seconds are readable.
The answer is h=11 m=29
